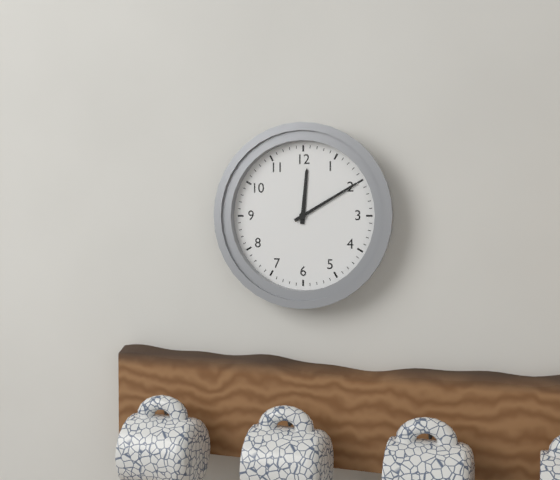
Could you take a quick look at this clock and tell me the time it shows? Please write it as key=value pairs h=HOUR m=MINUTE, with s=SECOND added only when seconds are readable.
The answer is h=12 m=10
